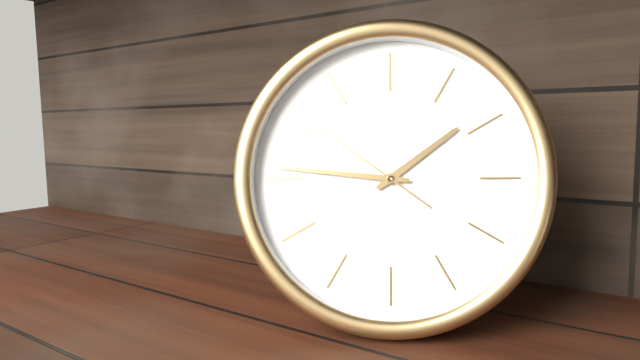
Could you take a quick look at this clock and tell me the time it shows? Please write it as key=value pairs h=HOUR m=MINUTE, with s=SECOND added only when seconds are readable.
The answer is h=1 m=46 s=51
